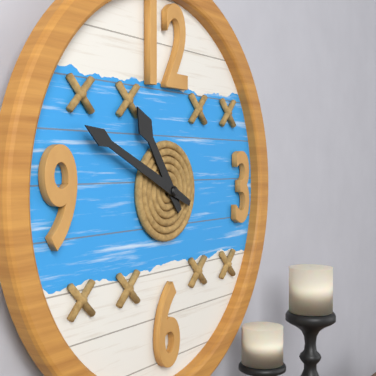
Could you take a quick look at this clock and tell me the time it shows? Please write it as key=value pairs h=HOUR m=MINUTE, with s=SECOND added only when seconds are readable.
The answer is h=10 m=49
